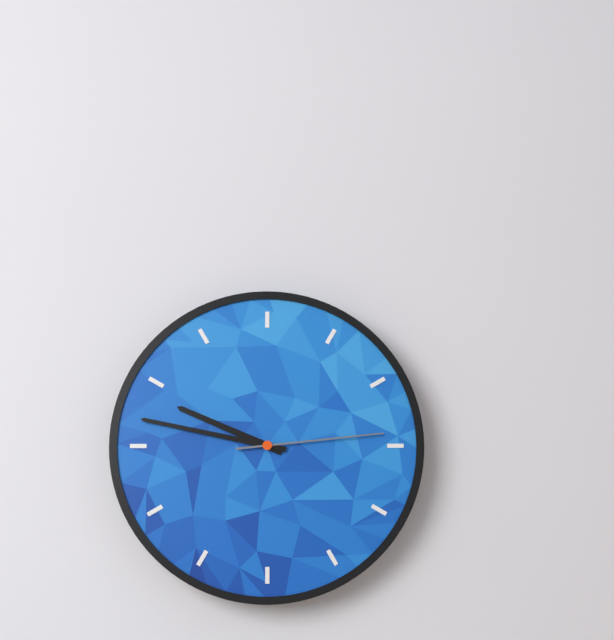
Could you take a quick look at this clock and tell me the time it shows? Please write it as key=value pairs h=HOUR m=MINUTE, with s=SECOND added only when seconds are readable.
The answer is h=9 m=47 s=14
